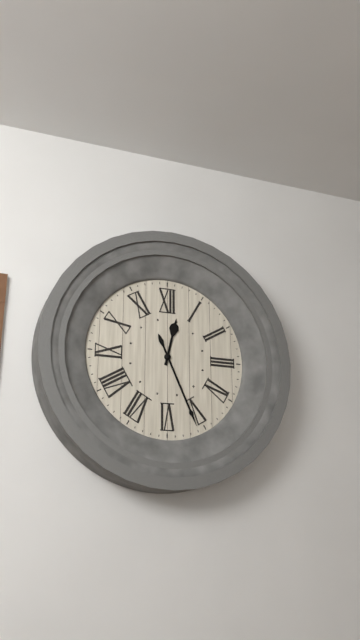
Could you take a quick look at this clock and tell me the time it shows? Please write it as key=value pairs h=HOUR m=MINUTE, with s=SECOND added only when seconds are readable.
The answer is h=12 m=26
